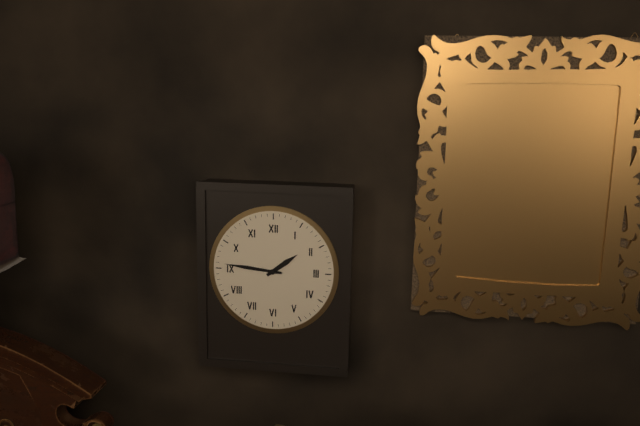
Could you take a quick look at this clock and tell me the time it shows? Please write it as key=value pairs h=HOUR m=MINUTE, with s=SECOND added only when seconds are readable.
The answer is h=1 m=46
